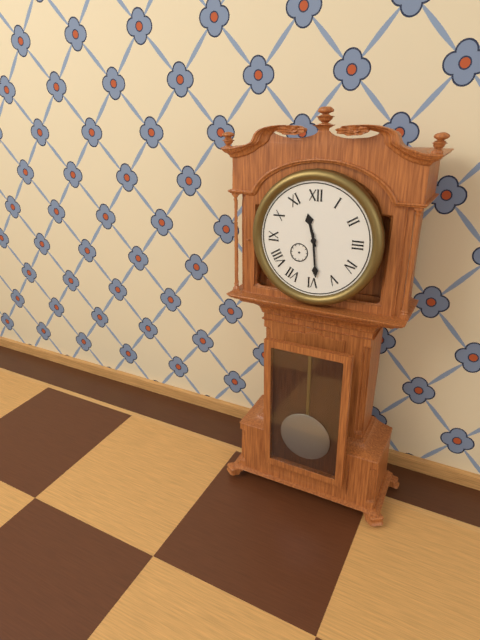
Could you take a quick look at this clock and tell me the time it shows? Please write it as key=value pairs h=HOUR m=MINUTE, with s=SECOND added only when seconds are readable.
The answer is h=11 m=29
